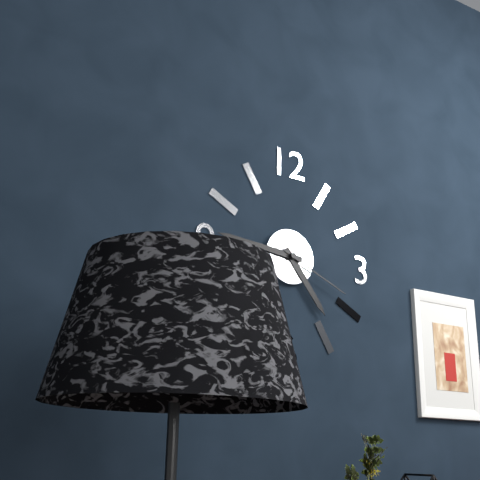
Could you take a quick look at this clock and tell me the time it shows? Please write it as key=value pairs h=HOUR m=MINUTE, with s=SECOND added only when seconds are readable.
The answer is h=4 m=46 s=19
